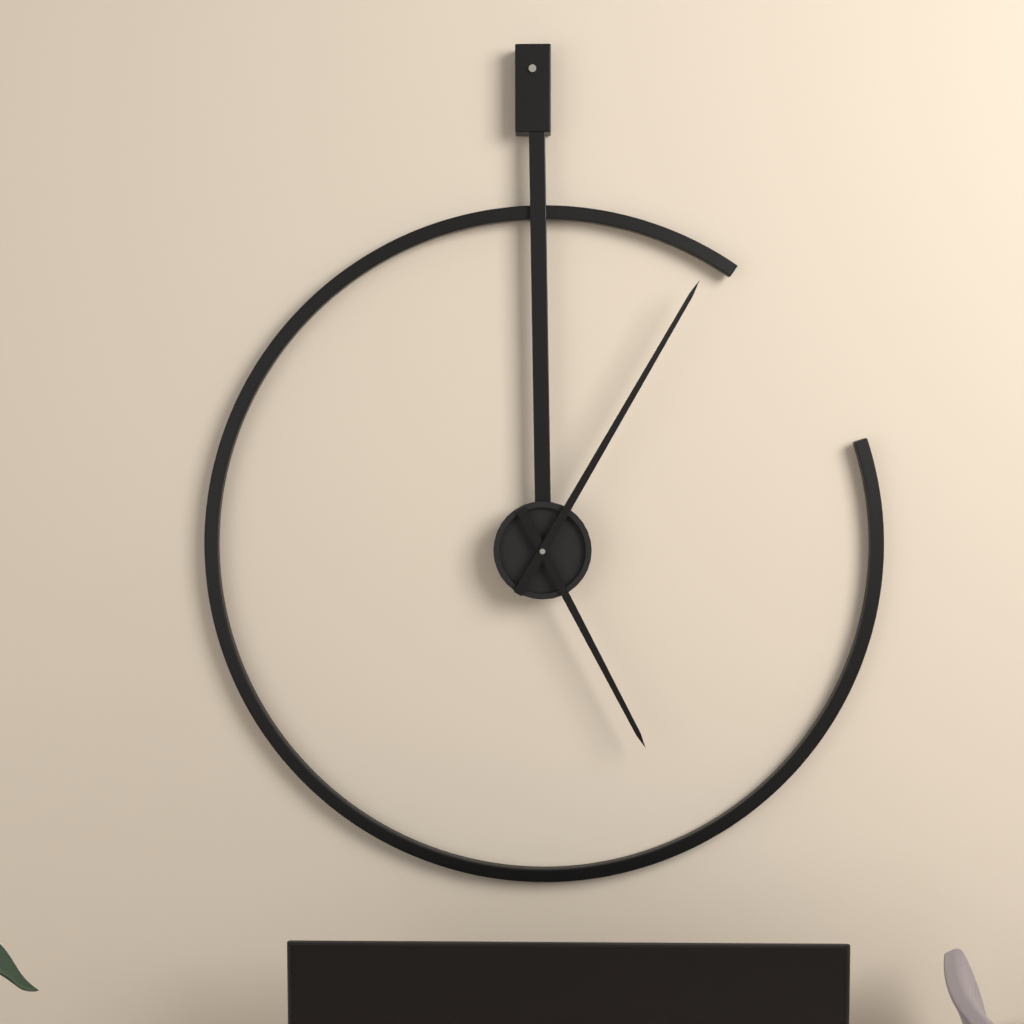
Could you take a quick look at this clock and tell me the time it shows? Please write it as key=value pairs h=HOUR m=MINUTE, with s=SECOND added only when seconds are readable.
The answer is h=5 m=5
